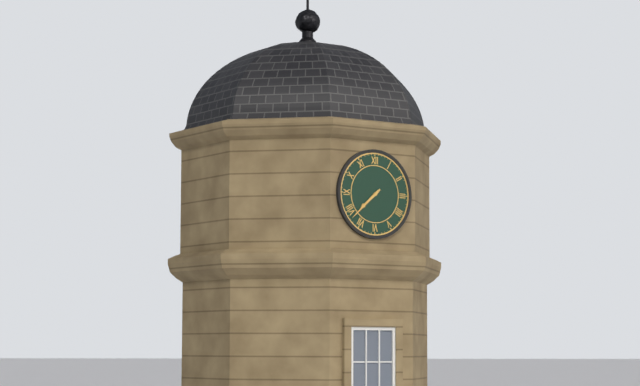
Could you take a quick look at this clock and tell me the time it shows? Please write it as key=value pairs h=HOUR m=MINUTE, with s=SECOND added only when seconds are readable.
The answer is h=7 m=38
